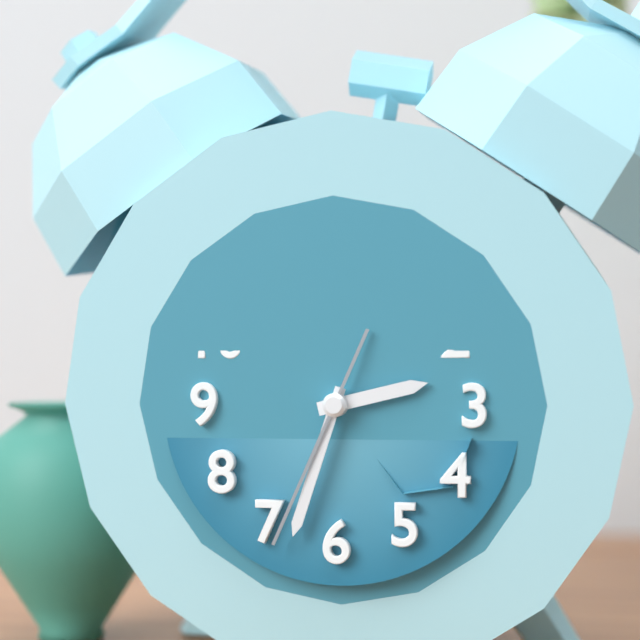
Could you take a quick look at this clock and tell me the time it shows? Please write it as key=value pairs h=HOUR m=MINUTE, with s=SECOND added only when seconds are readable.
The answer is h=2 m=33 s=34
